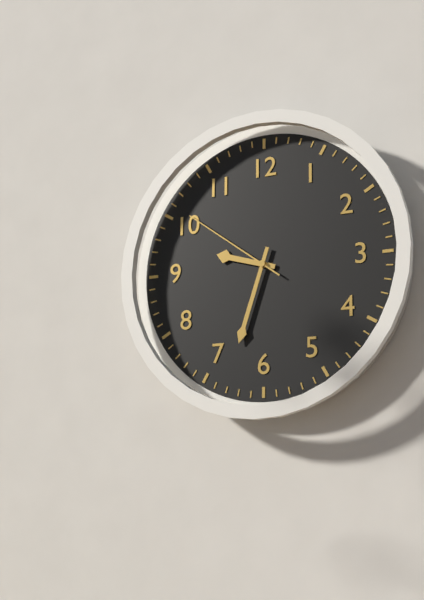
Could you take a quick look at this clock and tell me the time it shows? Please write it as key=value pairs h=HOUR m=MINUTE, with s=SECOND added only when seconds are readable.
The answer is h=9 m=33 s=51
